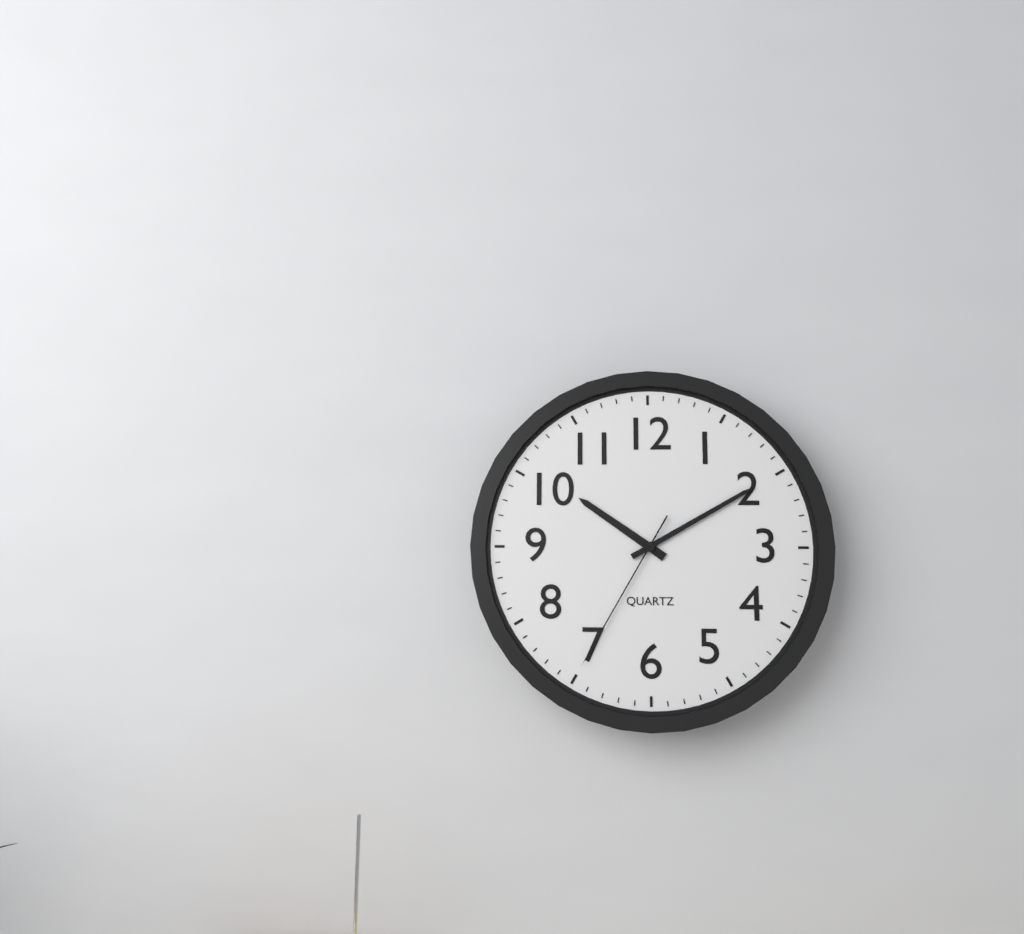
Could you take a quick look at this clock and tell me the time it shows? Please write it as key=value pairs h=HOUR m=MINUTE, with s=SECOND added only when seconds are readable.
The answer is h=10 m=10 s=35
